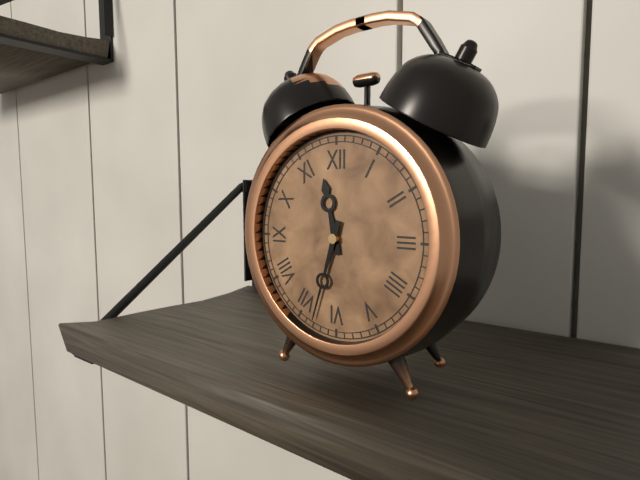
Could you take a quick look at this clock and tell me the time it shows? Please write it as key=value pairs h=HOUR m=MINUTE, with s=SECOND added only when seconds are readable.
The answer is h=11 m=33
